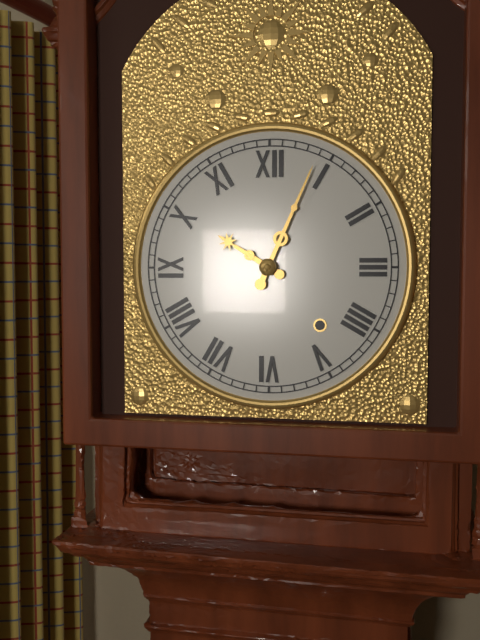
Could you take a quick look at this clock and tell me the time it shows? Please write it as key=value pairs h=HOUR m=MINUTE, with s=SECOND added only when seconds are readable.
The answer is h=10 m=4
